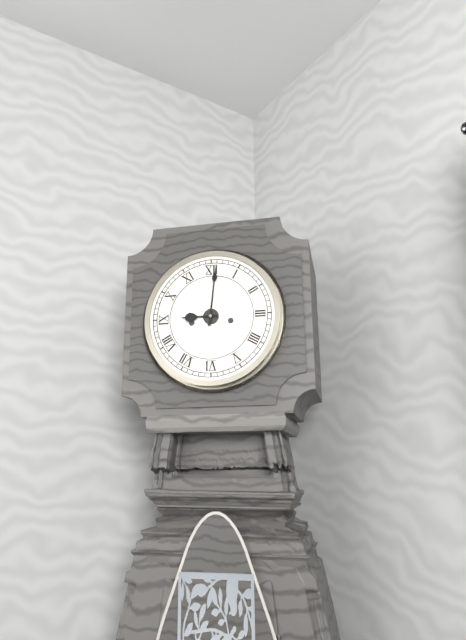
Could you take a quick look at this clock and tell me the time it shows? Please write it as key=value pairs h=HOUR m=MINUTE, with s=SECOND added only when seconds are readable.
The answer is h=9 m=1
